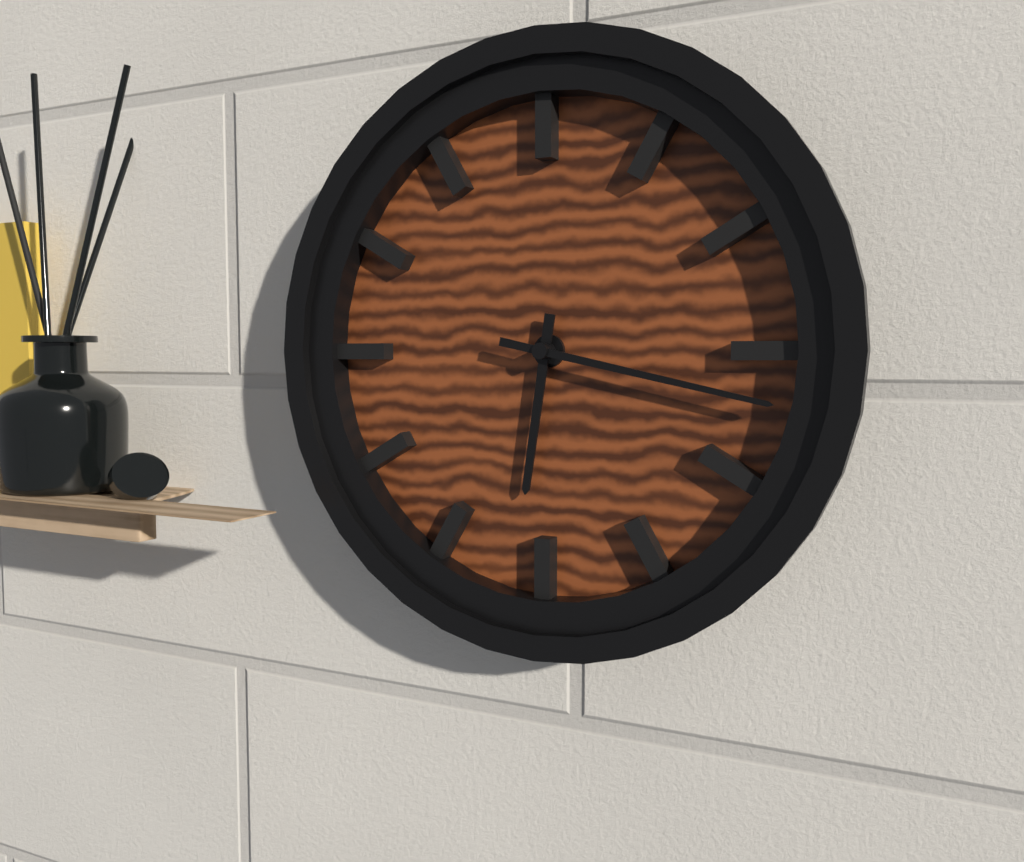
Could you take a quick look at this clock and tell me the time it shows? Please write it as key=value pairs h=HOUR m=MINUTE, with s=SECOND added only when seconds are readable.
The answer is h=6 m=17
